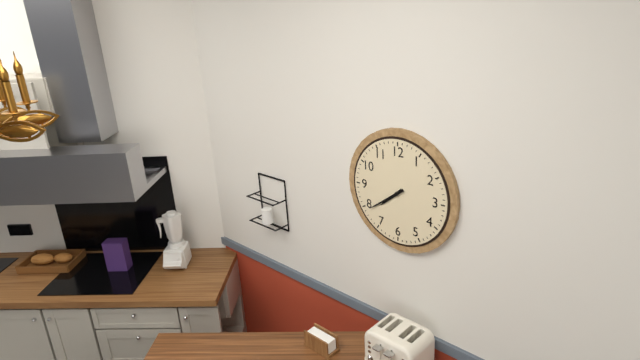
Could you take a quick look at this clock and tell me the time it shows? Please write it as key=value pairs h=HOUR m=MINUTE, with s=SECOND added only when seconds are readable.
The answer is h=7 m=39
